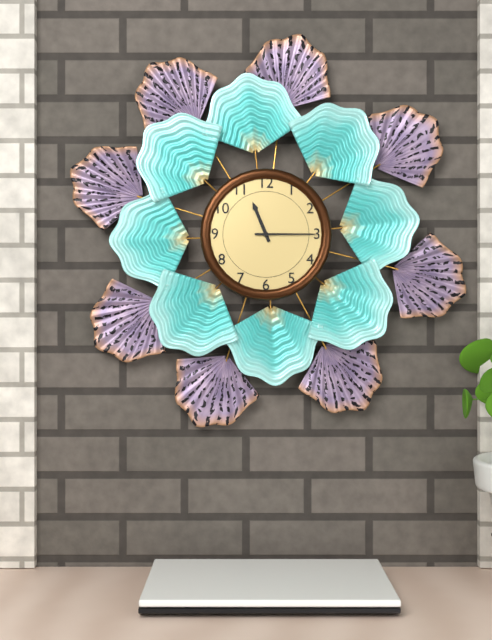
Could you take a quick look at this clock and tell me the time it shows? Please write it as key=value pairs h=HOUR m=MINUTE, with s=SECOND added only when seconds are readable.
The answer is h=11 m=15
